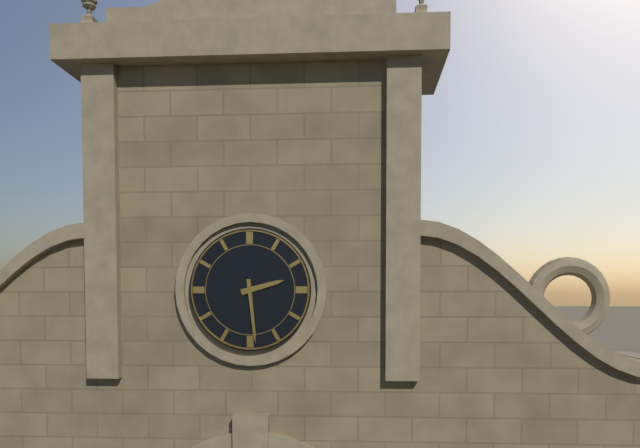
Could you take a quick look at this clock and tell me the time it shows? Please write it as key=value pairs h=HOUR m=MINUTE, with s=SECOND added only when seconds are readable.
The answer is h=2 m=29
